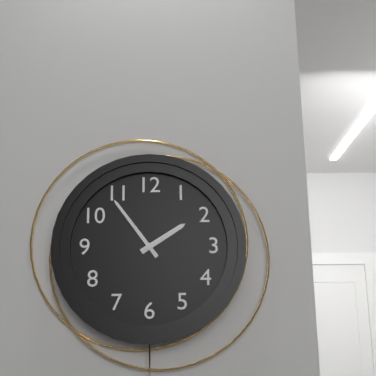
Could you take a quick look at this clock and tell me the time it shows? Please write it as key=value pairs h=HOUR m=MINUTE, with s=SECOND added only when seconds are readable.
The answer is h=1 m=54
